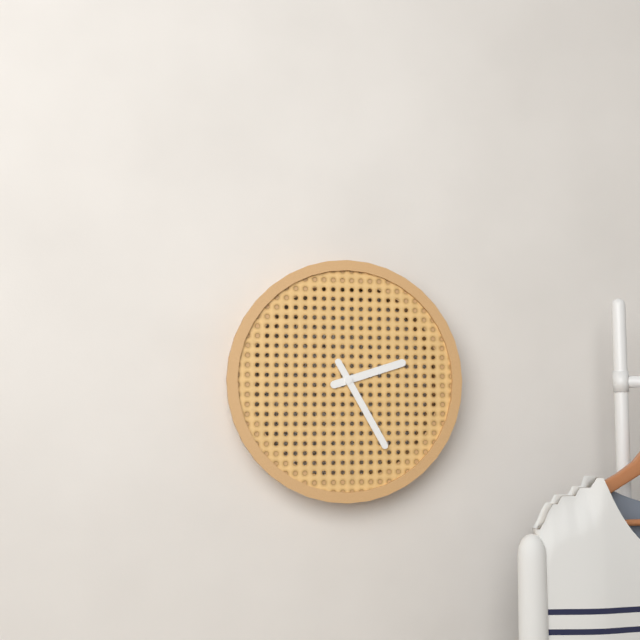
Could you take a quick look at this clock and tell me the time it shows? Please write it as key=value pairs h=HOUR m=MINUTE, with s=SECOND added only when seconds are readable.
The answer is h=2 m=25
